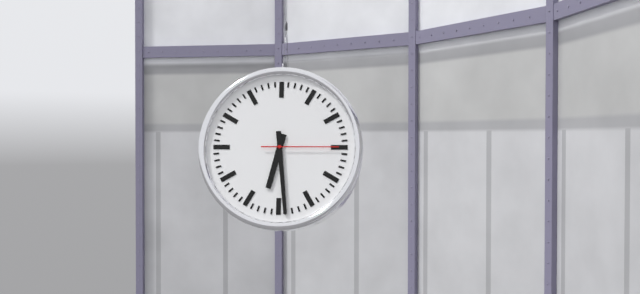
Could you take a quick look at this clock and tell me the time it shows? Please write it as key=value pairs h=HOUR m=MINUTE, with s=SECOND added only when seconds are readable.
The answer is h=6 m=29 s=15
